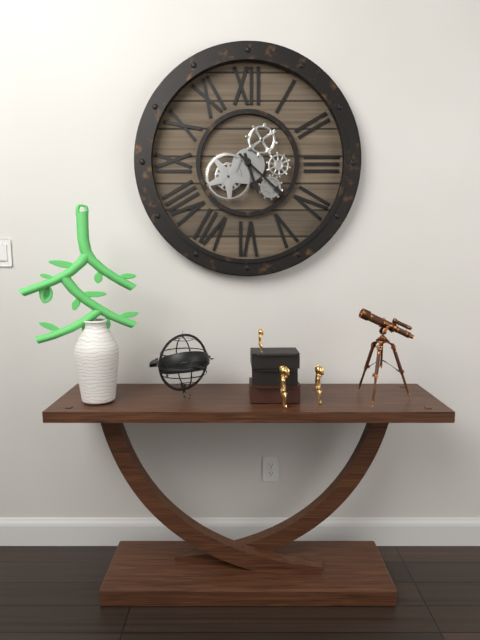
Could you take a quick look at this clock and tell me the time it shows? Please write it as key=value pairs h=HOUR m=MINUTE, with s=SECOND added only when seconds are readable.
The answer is h=5 m=22
